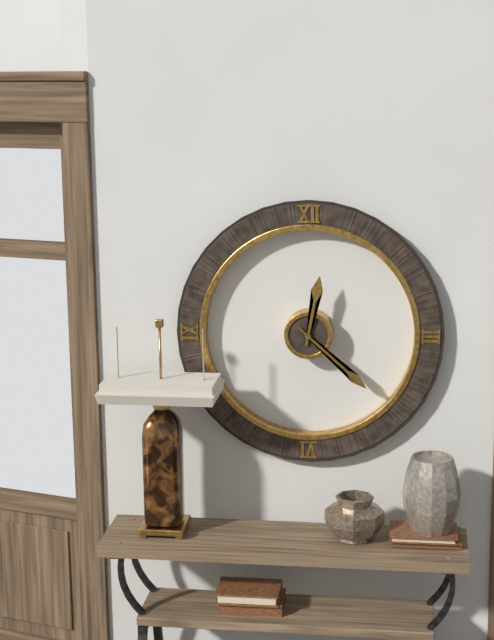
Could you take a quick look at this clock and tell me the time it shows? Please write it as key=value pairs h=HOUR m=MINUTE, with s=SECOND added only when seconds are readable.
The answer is h=12 m=22
